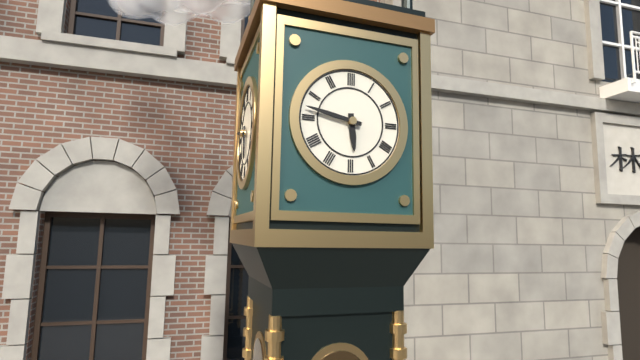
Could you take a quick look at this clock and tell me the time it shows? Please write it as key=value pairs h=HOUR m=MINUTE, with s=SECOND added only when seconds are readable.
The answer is h=5 m=47
